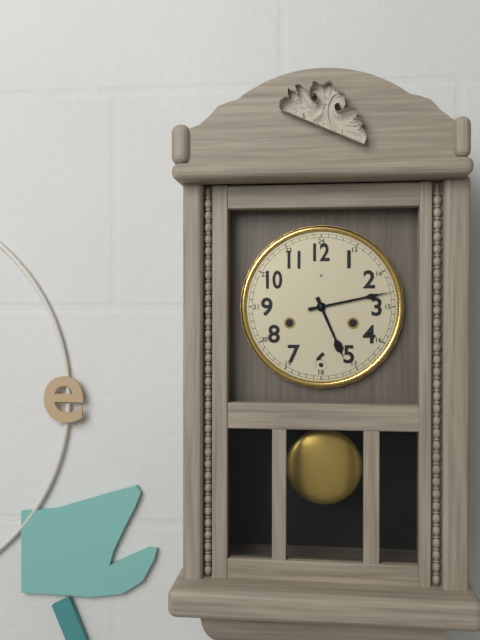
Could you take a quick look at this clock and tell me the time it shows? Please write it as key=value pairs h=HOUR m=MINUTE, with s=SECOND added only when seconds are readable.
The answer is h=5 m=13
